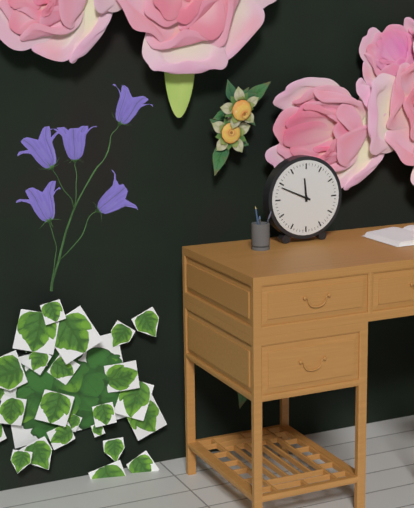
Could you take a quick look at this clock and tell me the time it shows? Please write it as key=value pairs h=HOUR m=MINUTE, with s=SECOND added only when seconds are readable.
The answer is h=11 m=49
